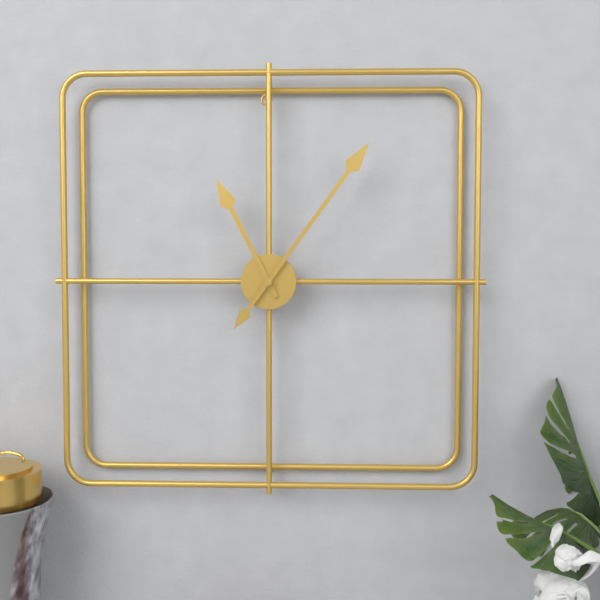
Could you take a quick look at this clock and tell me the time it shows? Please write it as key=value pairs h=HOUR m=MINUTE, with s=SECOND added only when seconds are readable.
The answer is h=11 m=6
